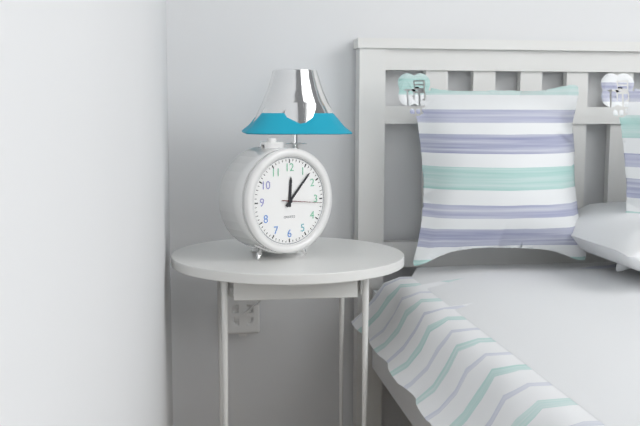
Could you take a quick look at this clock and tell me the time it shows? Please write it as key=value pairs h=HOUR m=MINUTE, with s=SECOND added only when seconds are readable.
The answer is h=12 m=7
